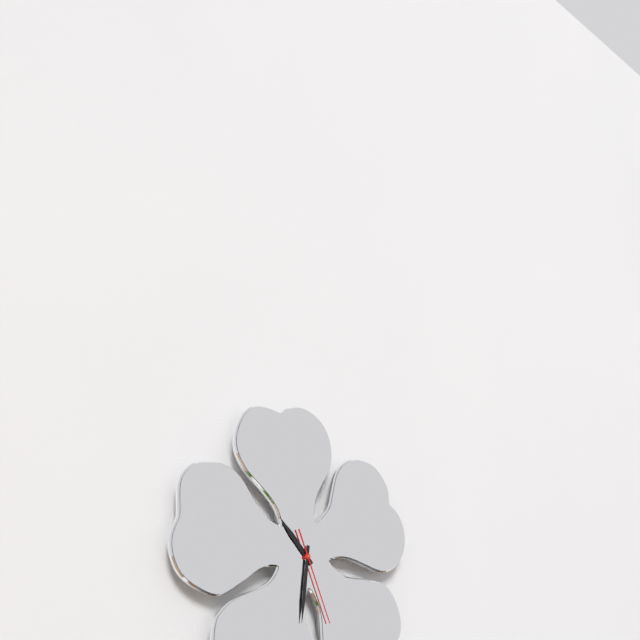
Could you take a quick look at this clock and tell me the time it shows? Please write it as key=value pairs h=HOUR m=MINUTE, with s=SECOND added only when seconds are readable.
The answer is h=10 m=31 s=26
